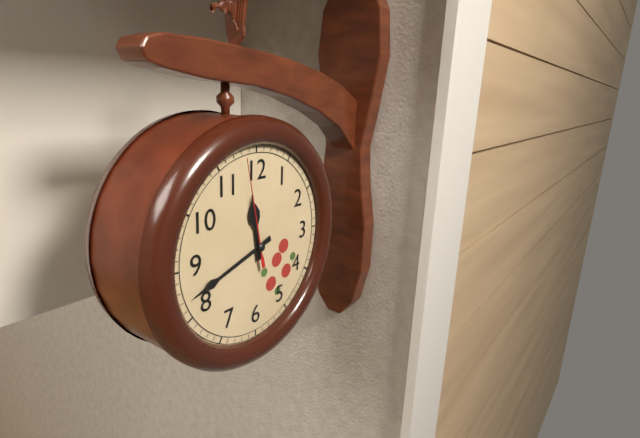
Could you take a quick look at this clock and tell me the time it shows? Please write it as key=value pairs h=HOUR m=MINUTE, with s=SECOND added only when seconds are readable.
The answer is h=11 m=42 s=58
